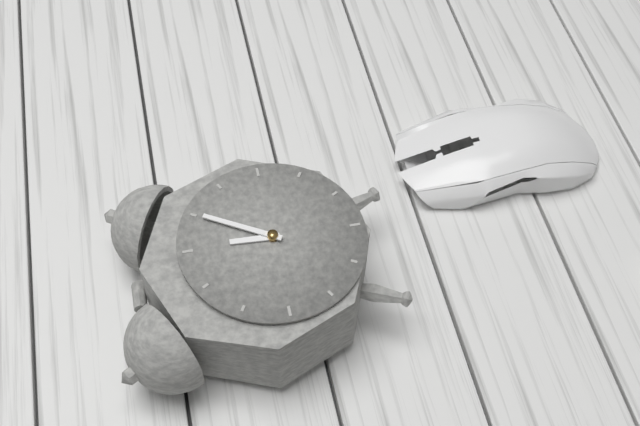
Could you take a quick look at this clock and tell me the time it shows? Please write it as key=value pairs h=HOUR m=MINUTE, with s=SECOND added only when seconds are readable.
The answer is h=12 m=5
